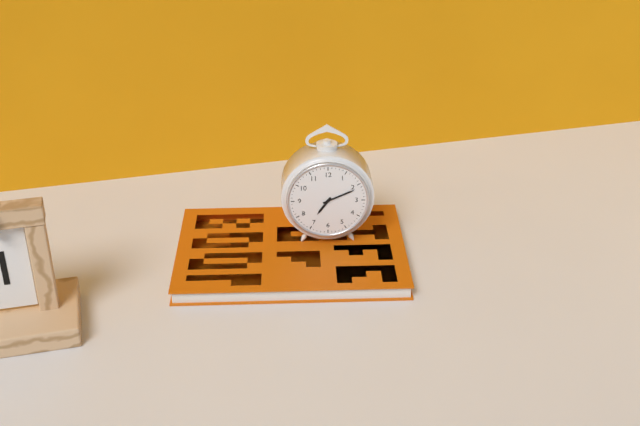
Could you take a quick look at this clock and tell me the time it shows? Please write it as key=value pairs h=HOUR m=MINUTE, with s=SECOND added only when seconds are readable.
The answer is h=7 m=11
